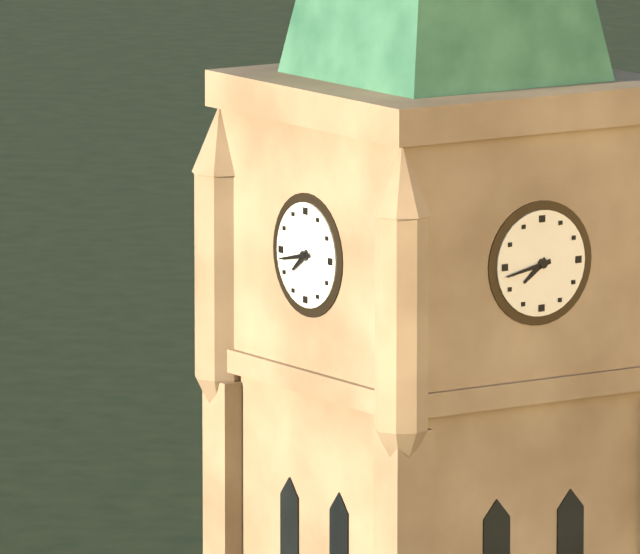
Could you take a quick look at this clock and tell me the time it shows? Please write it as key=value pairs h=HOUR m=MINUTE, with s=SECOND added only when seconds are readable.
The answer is h=7 m=43
